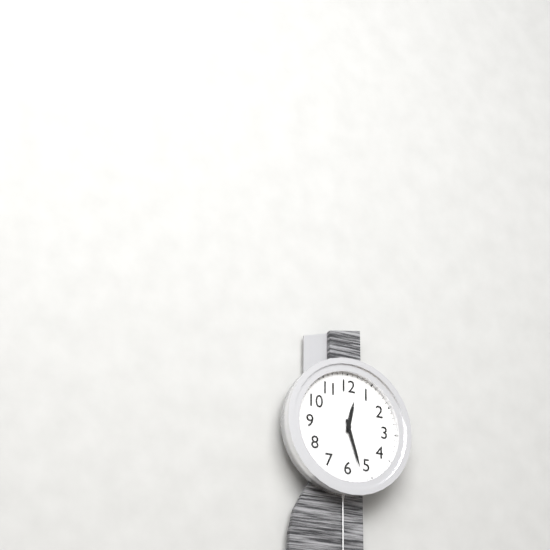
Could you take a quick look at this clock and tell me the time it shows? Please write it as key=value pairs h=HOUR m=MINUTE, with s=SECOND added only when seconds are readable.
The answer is h=12 m=27
